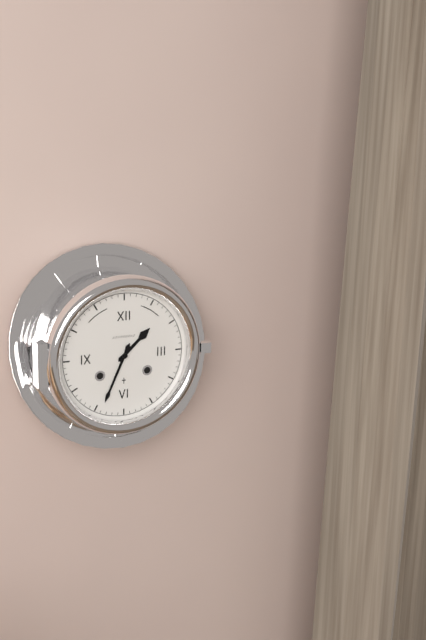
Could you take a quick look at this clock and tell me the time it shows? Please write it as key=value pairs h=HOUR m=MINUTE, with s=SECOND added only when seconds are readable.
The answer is h=1 m=34
